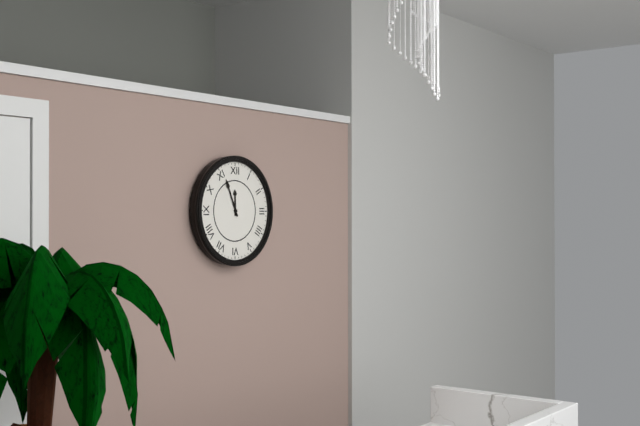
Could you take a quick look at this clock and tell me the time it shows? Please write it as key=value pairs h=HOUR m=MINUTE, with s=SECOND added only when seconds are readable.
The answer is h=11 m=56
